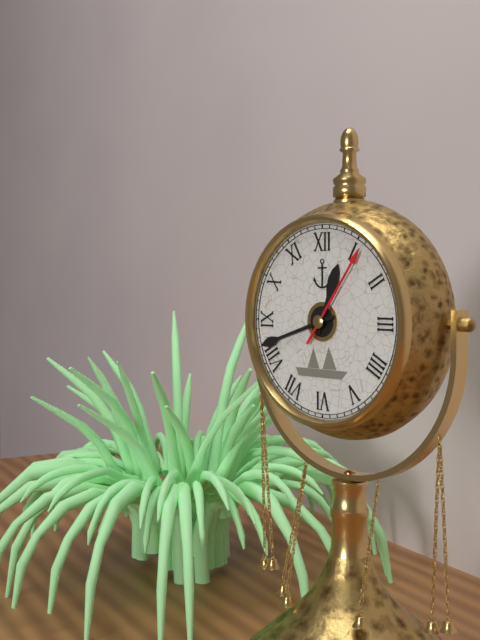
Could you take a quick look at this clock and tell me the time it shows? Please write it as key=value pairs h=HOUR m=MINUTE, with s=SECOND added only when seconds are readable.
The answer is h=12 m=42 s=6
